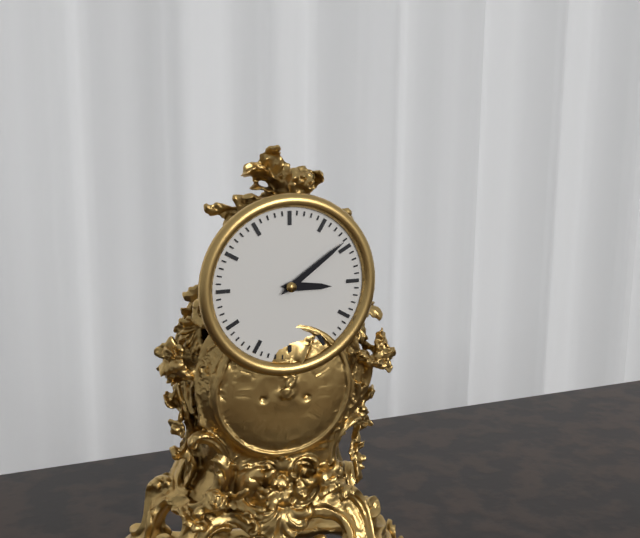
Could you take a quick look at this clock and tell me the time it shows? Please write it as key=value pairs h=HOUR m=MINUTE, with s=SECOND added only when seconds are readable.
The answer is h=3 m=9
